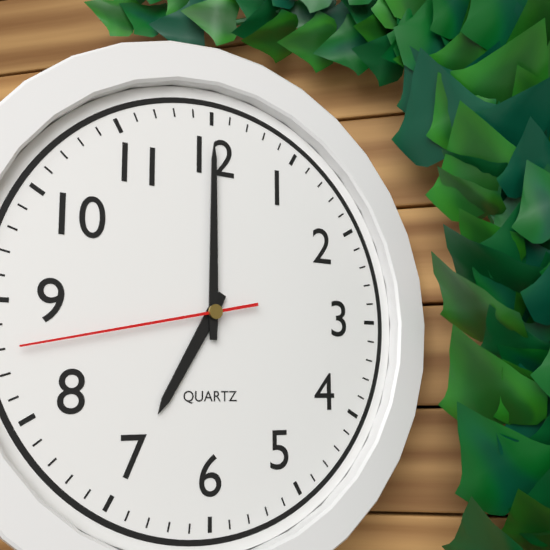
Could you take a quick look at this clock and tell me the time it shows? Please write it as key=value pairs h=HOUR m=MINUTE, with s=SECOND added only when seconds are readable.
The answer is h=7 m=0 s=43
